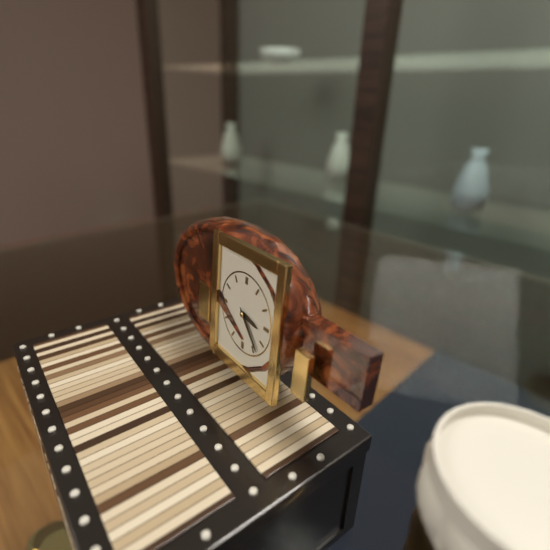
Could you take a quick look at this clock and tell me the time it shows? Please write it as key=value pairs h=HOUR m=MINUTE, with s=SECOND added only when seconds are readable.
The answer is h=3 m=23
